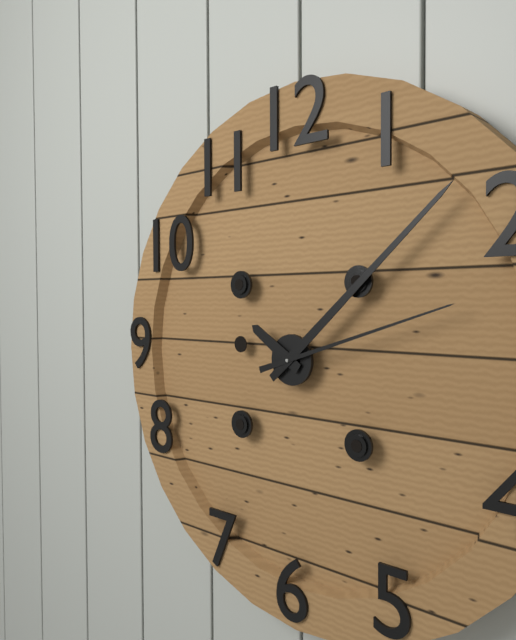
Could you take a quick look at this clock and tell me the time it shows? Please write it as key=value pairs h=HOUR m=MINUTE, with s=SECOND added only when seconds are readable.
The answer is h=10 m=8 s=12
